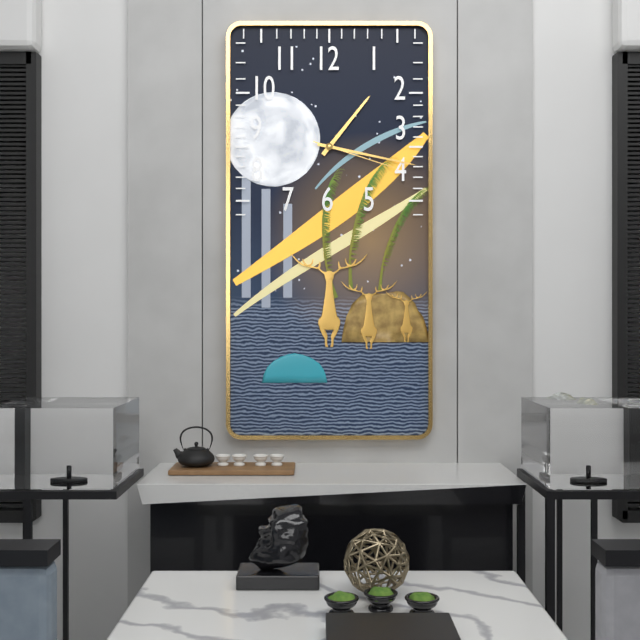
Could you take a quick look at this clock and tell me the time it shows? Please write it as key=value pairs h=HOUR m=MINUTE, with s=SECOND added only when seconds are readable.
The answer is h=1 m=17 s=18
